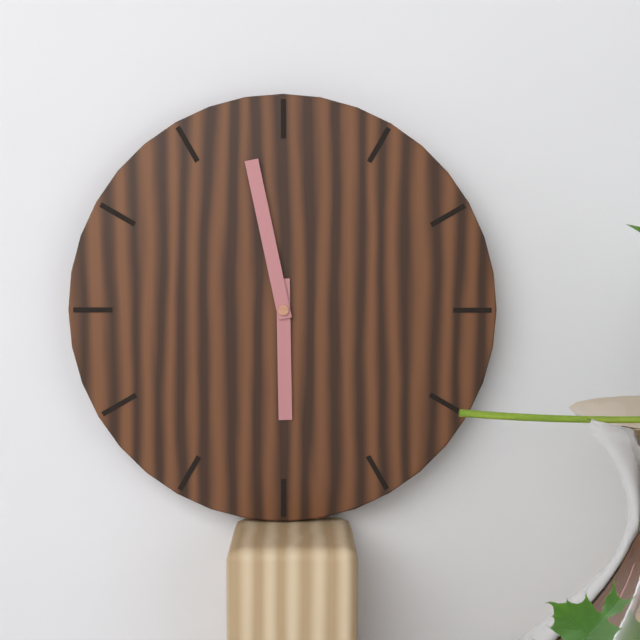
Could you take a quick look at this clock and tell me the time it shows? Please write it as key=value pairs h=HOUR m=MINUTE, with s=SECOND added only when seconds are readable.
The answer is h=5 m=58
